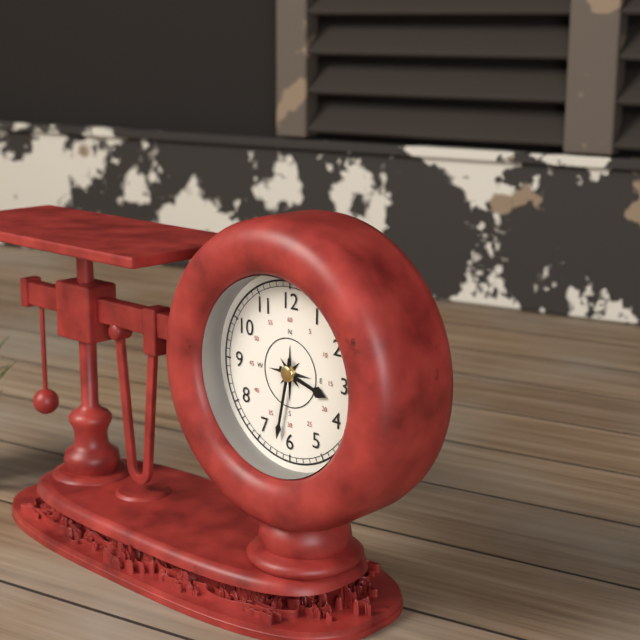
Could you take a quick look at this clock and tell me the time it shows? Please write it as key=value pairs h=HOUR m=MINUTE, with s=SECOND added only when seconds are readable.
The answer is h=3 m=32
